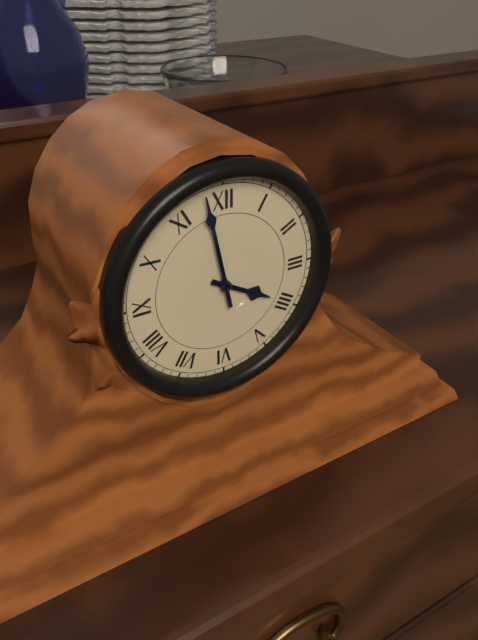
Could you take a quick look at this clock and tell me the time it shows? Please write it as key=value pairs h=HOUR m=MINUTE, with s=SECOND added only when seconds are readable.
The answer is h=3 m=58
